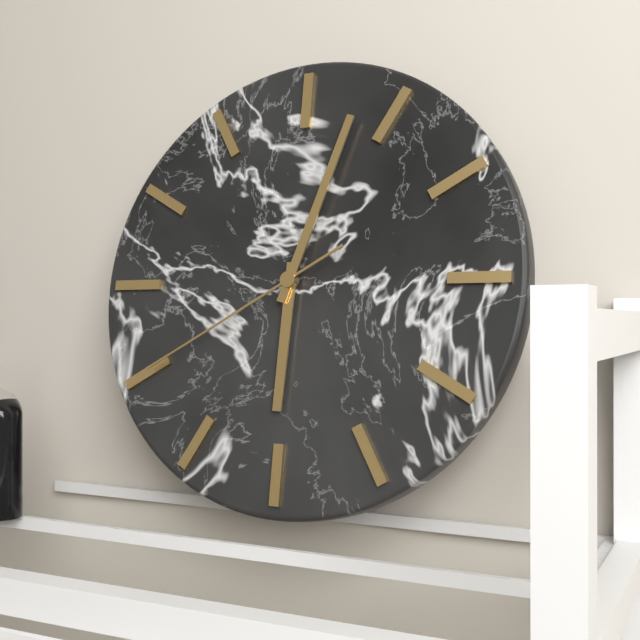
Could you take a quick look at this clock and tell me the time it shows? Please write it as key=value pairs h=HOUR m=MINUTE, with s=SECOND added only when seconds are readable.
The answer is h=6 m=3 s=40
